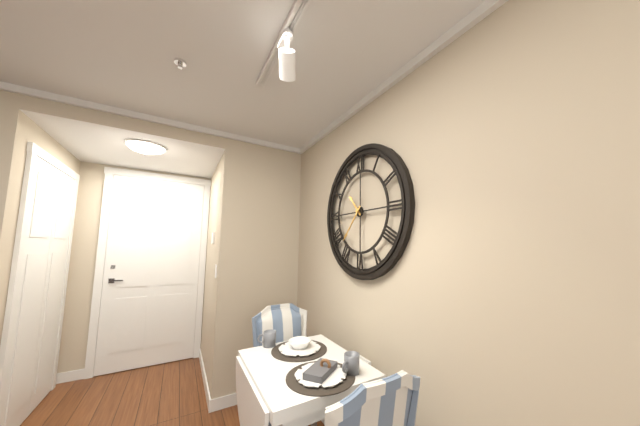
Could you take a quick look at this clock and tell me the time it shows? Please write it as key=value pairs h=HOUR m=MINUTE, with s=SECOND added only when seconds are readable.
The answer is h=10 m=37
